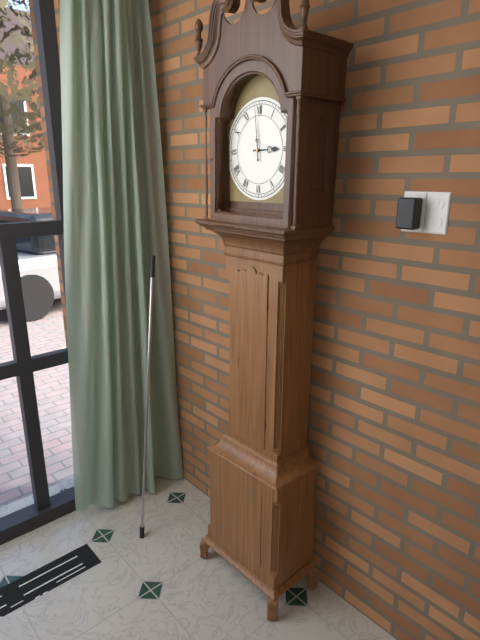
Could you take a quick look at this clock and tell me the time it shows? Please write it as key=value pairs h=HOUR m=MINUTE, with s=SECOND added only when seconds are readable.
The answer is h=2 m=59
